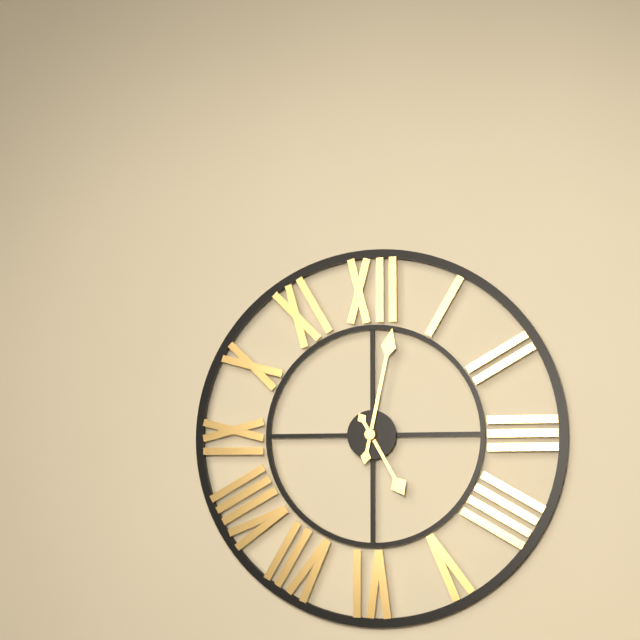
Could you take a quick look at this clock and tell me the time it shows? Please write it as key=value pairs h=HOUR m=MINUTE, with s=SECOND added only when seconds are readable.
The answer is h=5 m=2
